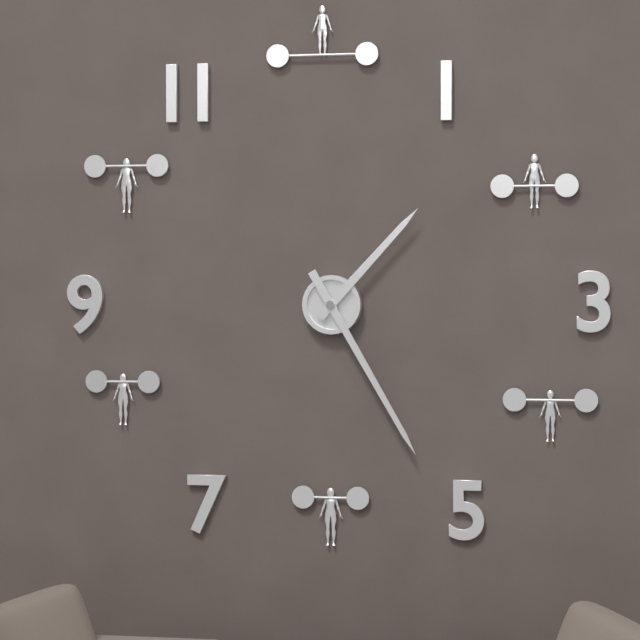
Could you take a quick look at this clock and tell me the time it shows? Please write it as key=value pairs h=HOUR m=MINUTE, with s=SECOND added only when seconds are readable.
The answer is h=1 m=25
